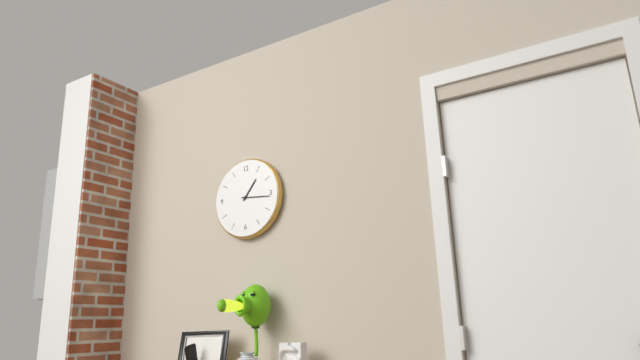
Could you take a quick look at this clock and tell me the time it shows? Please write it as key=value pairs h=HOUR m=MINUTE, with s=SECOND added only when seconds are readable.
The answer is h=1 m=16
